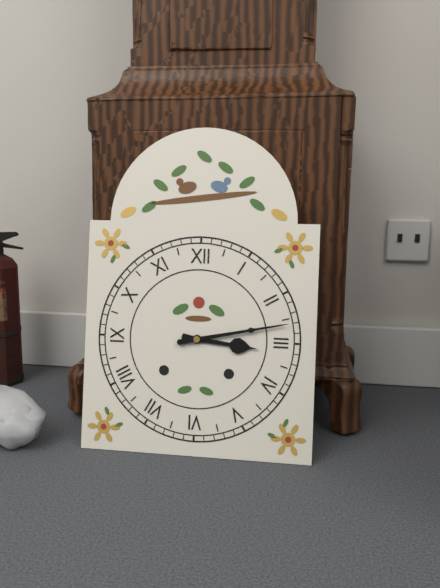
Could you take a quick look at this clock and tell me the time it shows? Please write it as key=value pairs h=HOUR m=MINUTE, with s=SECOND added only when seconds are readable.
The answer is h=3 m=13
